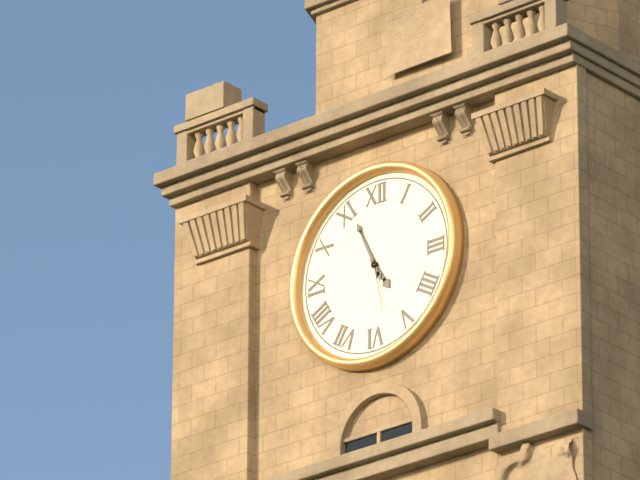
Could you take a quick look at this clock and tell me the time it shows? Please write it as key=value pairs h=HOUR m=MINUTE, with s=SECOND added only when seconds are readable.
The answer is h=4 m=56 s=28
